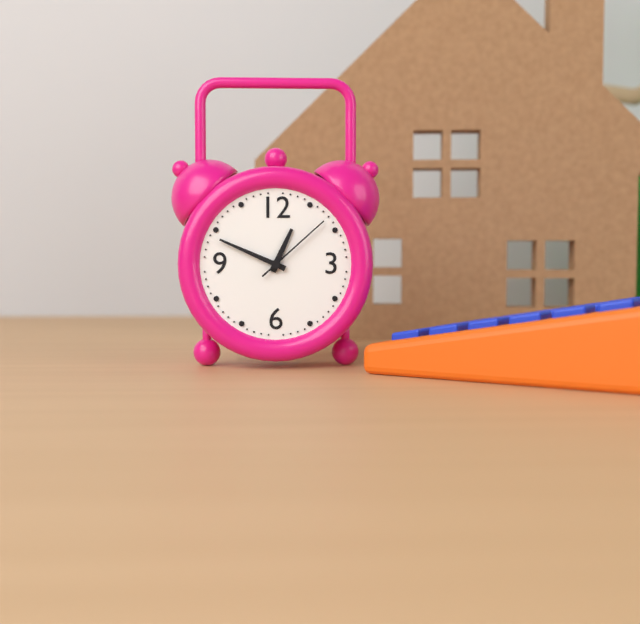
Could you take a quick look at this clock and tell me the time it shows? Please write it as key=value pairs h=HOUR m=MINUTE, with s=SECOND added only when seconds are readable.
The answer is h=12 m=49 s=8
